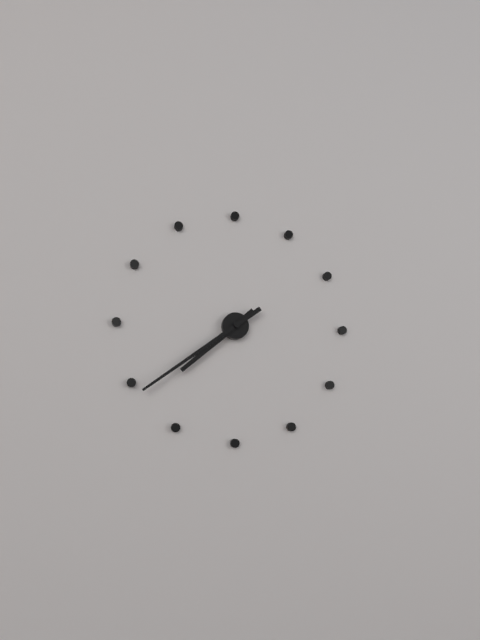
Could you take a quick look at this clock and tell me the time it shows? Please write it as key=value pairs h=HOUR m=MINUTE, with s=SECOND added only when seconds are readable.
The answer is h=7 m=39
